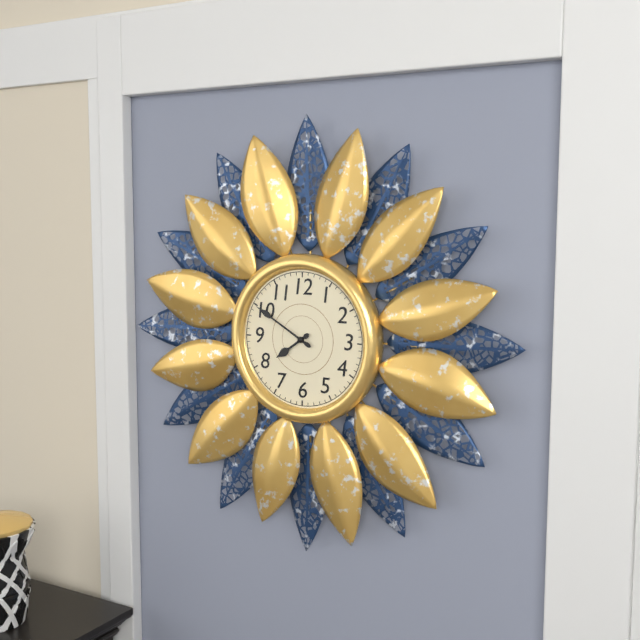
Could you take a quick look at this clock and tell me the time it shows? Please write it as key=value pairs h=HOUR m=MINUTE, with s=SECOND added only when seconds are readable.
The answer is h=7 m=50
